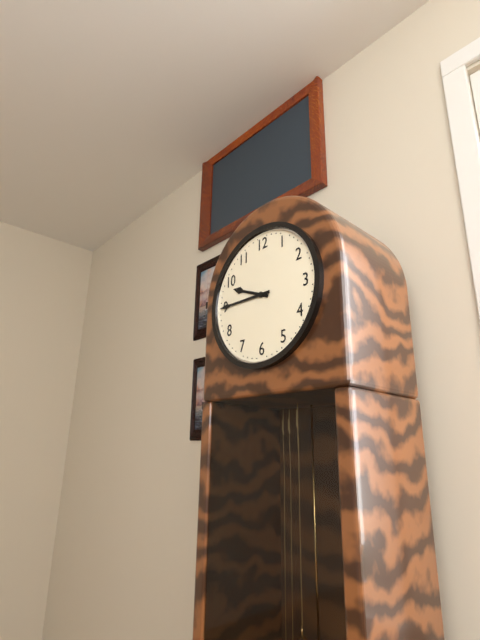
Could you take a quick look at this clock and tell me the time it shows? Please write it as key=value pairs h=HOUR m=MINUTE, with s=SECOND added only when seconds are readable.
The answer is h=9 m=45
